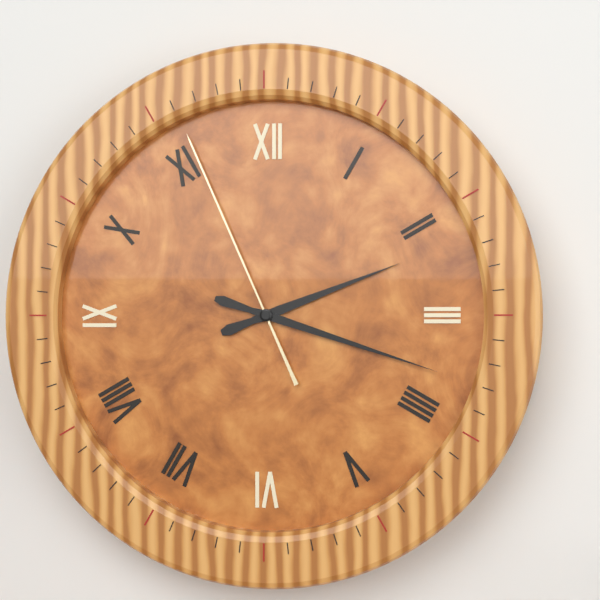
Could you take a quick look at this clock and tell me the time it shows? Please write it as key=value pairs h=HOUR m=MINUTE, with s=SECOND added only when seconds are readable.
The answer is h=2 m=18 s=56
